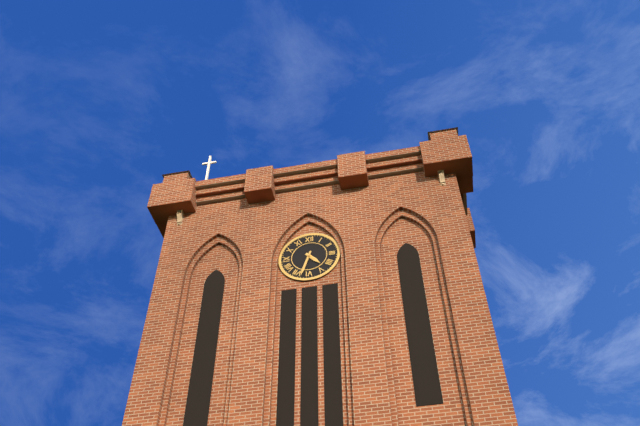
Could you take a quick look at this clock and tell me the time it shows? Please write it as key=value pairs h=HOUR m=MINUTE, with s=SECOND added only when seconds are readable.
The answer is h=4 m=33
